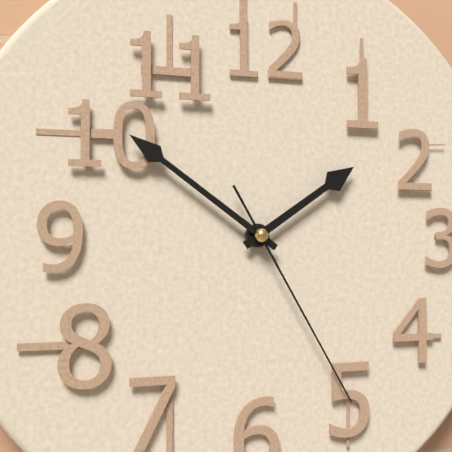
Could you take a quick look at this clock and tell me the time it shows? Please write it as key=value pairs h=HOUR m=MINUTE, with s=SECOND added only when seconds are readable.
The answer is h=1 m=51 s=25
